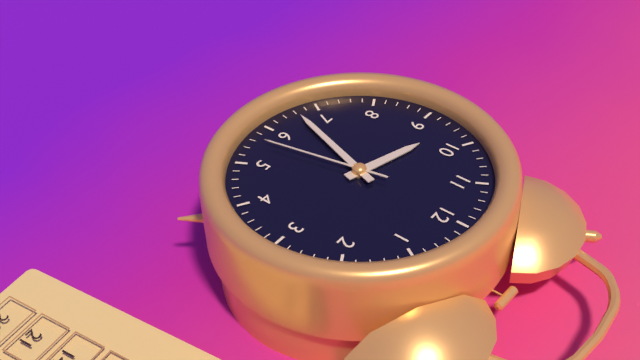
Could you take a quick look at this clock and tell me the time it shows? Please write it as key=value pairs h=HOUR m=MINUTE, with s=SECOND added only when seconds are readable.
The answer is h=9 m=33 s=28
